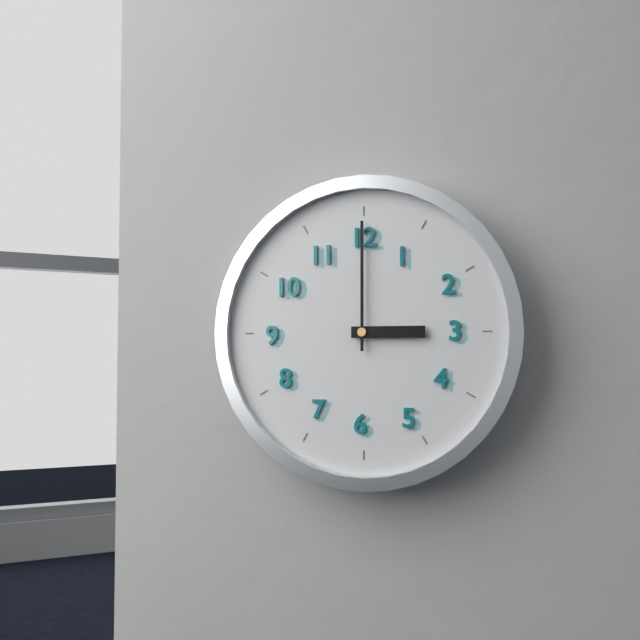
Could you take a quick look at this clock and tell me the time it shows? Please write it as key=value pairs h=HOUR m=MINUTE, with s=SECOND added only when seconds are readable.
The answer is h=3 m=0
